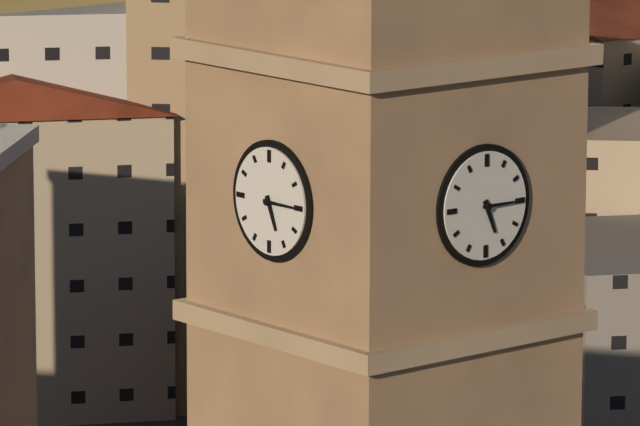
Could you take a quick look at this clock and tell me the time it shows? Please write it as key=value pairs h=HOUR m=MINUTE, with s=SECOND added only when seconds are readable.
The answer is h=5 m=15
